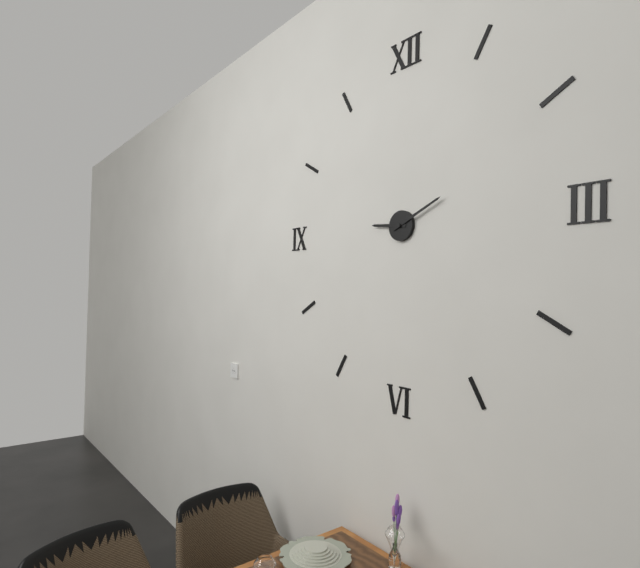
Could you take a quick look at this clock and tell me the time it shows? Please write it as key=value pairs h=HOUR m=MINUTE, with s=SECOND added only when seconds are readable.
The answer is h=9 m=11
